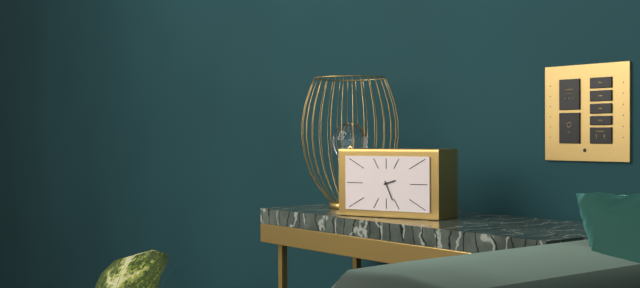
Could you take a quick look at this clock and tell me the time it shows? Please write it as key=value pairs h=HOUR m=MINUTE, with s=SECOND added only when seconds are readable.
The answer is h=2 m=26
